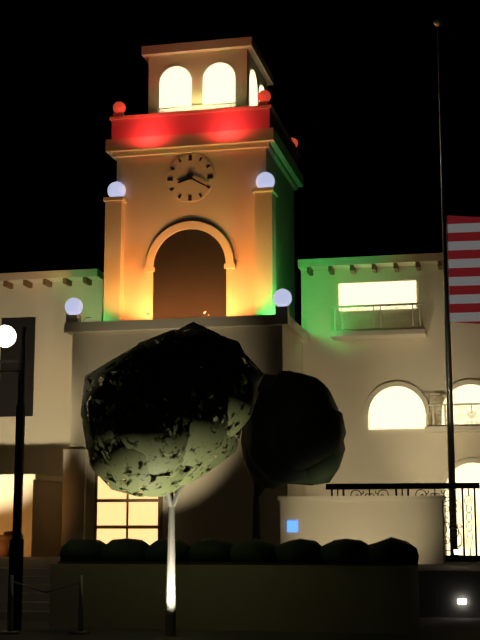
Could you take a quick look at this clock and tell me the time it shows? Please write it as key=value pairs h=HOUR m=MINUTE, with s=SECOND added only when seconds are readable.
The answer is h=8 m=20
